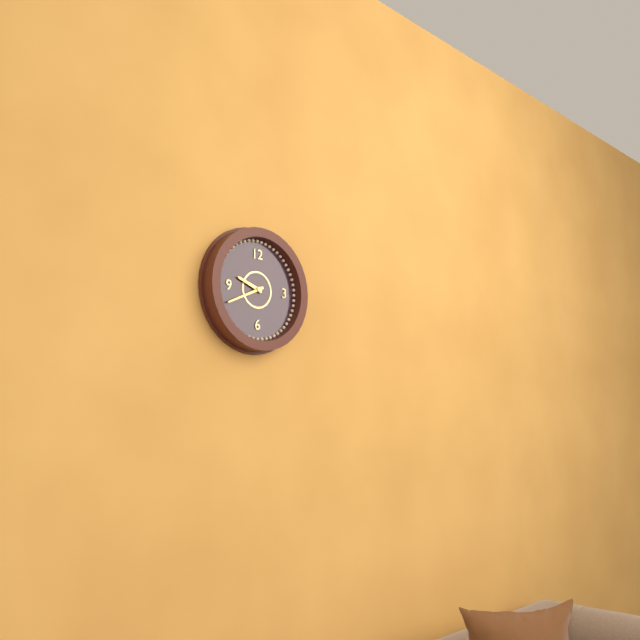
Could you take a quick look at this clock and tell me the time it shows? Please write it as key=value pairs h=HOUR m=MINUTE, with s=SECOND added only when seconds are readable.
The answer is h=9 m=41
